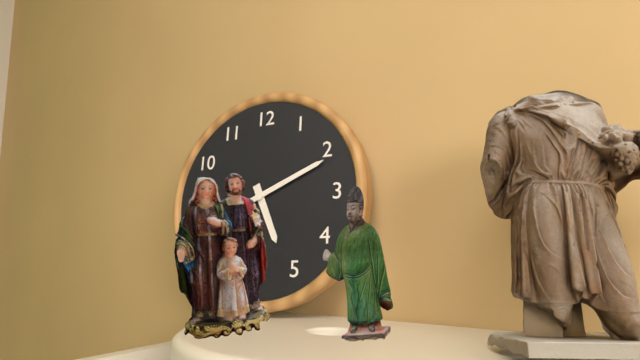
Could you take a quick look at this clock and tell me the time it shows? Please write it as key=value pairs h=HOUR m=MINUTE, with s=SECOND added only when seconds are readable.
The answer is h=5 m=11
